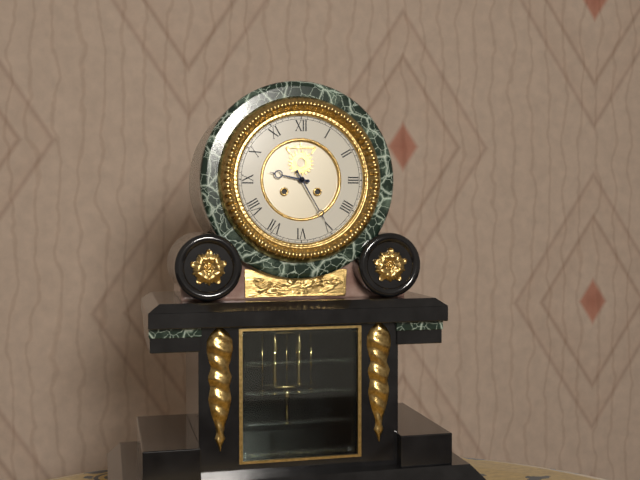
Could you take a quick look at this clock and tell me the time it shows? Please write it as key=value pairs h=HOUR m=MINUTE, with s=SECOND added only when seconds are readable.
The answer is h=9 m=25
